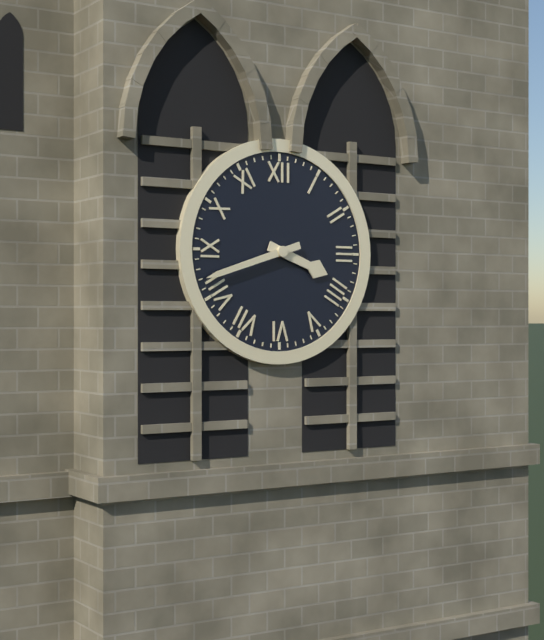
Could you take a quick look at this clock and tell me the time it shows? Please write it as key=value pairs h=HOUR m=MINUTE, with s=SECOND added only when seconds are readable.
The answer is h=3 m=42
